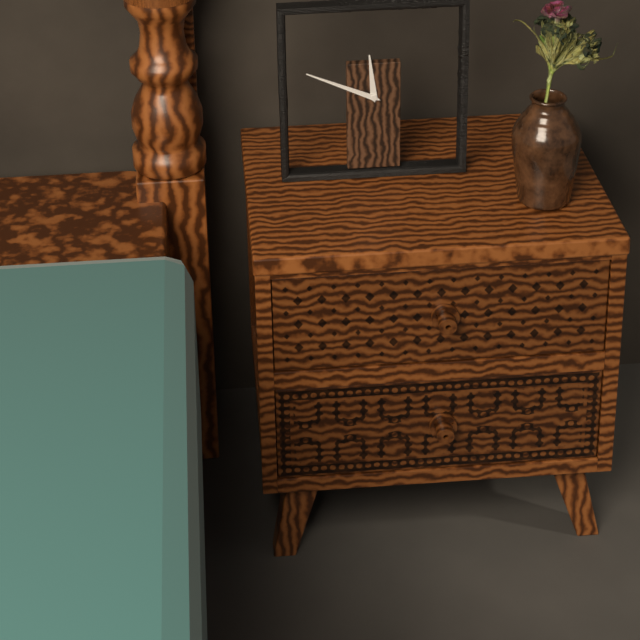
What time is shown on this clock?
11:49
